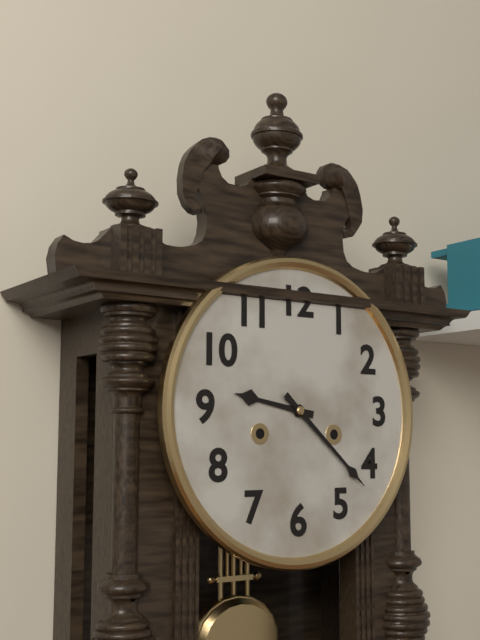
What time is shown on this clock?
9:22
